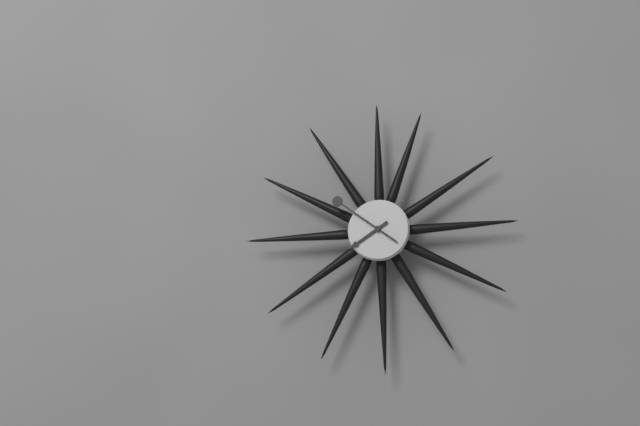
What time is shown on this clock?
7:51
